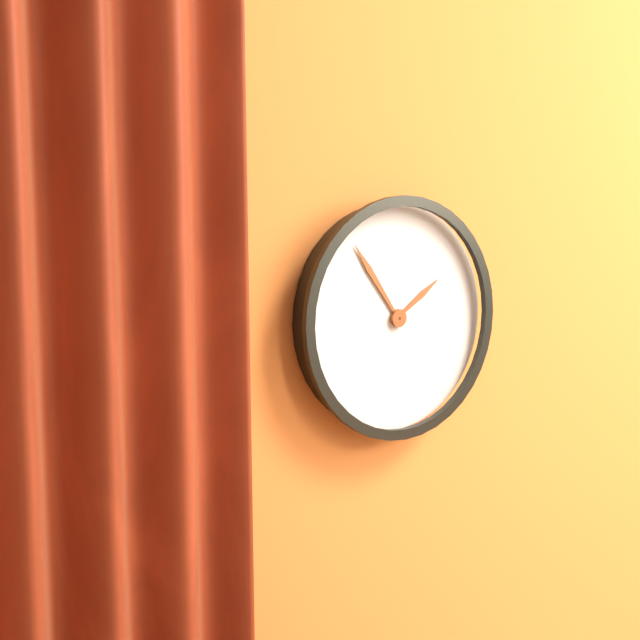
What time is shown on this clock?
1:54
